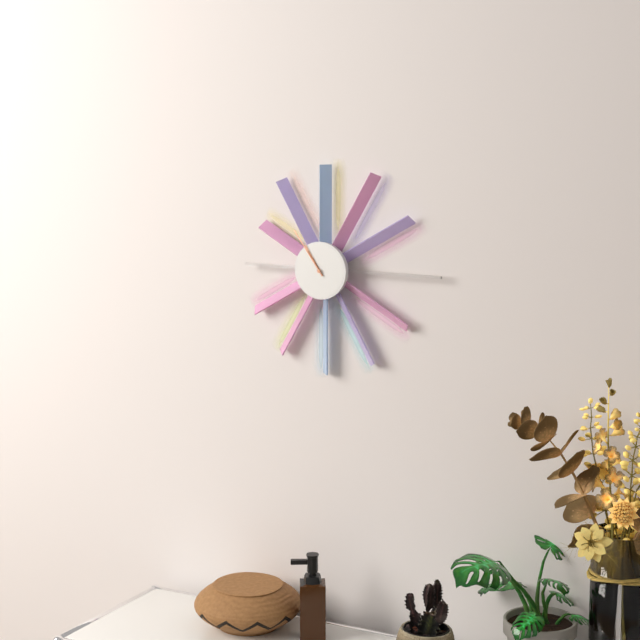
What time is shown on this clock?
10:54
